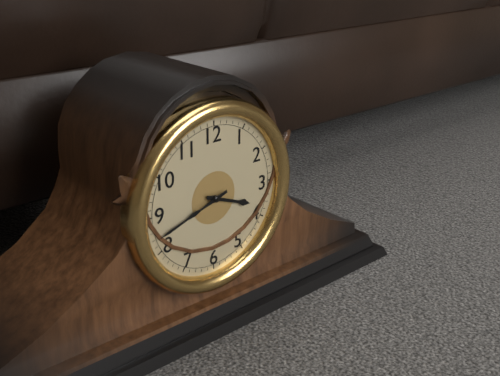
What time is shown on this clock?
3:42
